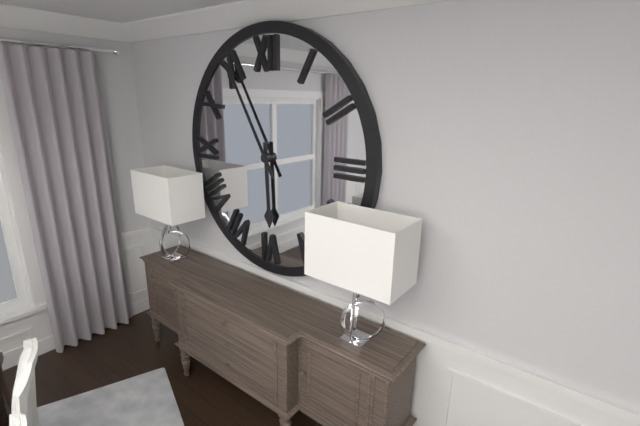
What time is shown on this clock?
5:55
